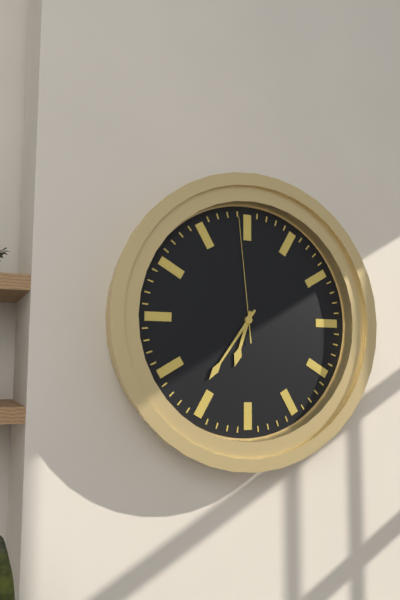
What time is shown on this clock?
6:36:59
